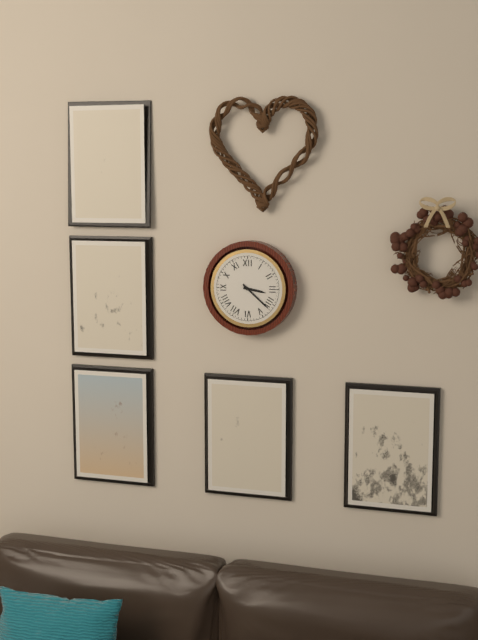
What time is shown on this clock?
3:22
